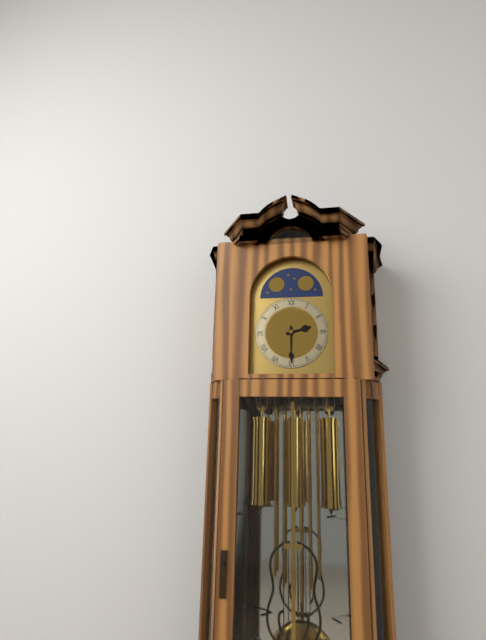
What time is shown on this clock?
2:30
